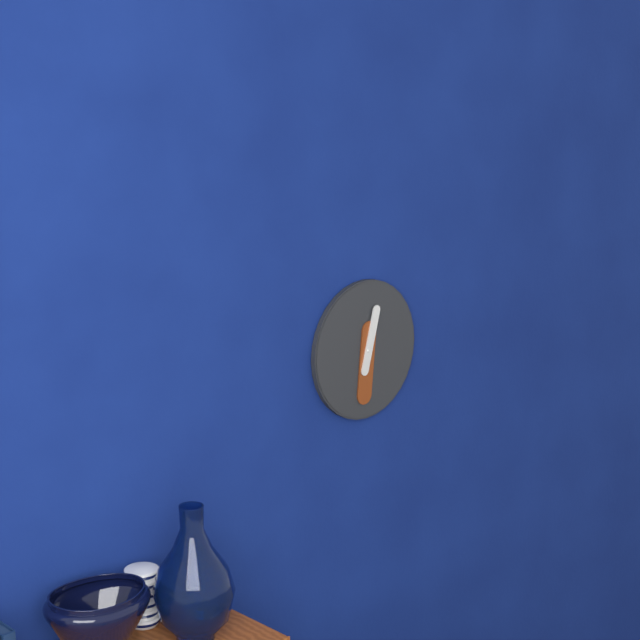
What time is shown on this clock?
12:31
